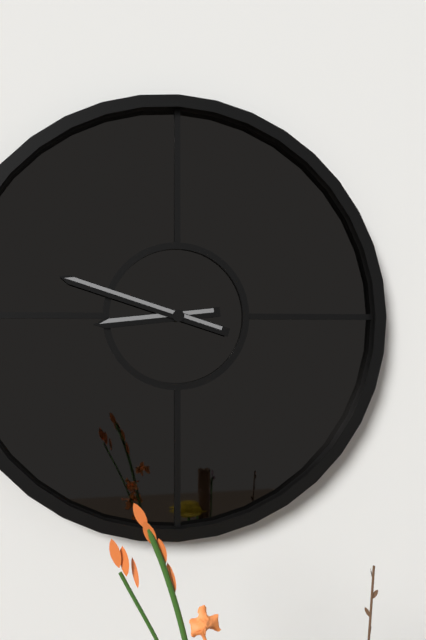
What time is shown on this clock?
8:48
